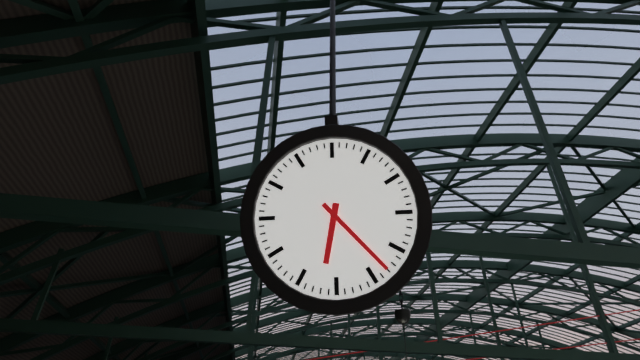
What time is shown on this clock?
6:23
